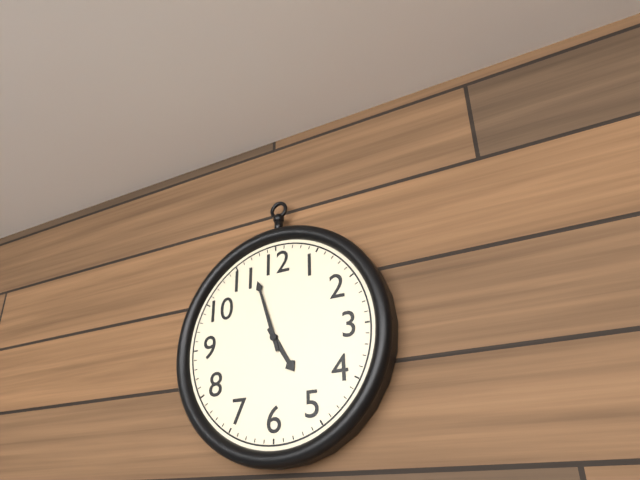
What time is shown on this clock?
4:57
